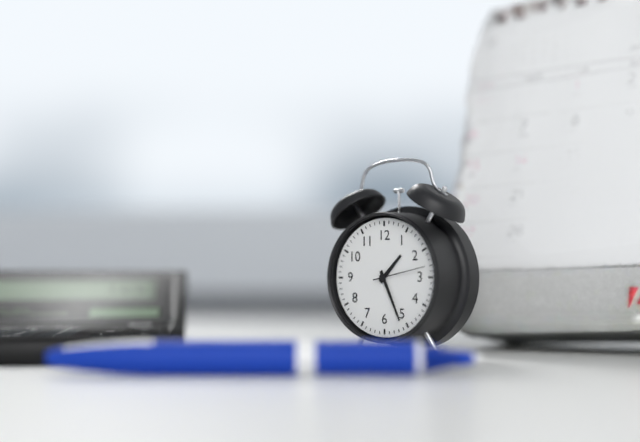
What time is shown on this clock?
1:26:13
